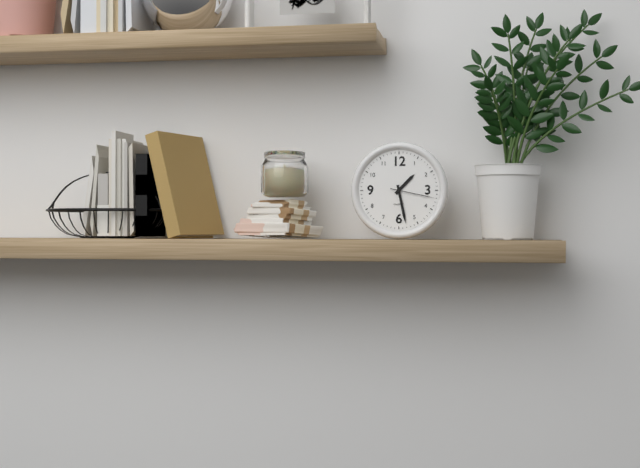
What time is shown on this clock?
1:28
